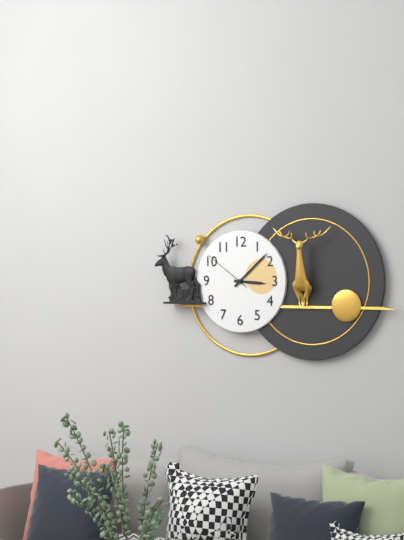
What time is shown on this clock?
3:08:51
